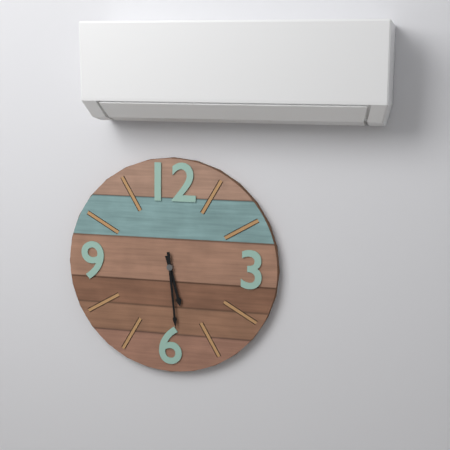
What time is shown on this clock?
5:29
